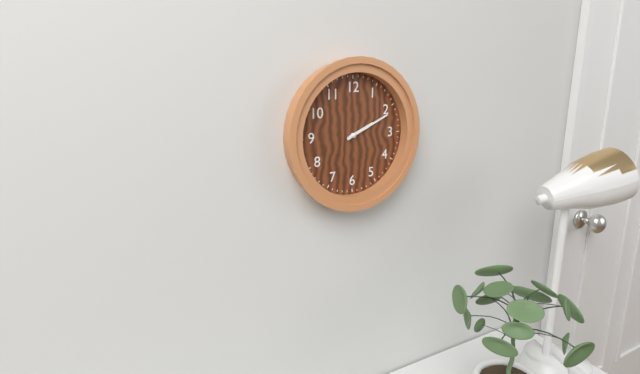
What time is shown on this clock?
2:11
